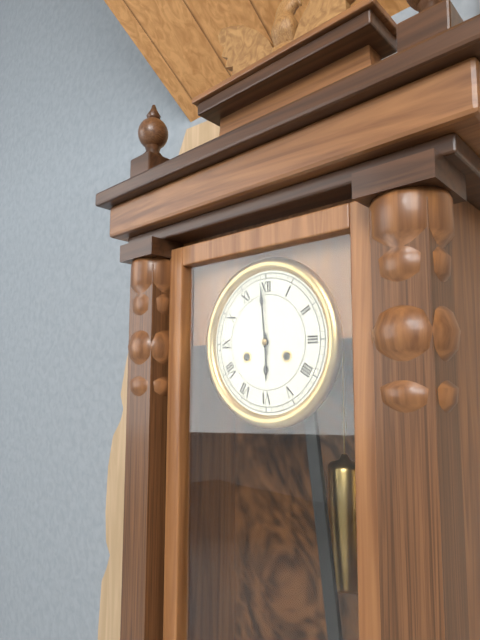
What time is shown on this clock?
5:59
